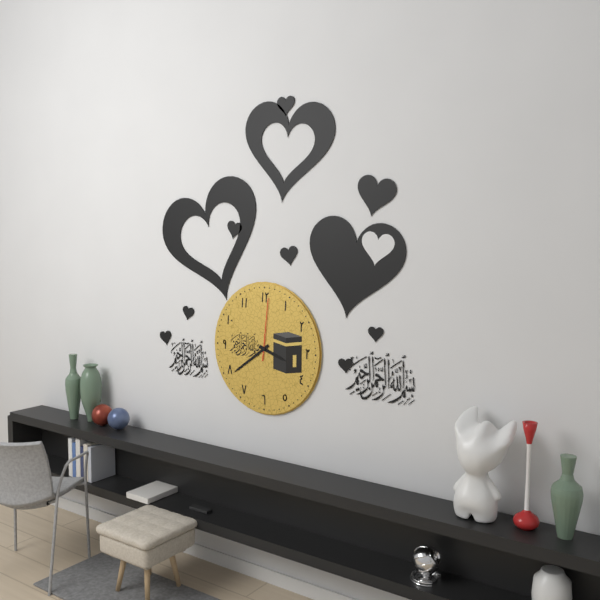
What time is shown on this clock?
3:39:01
